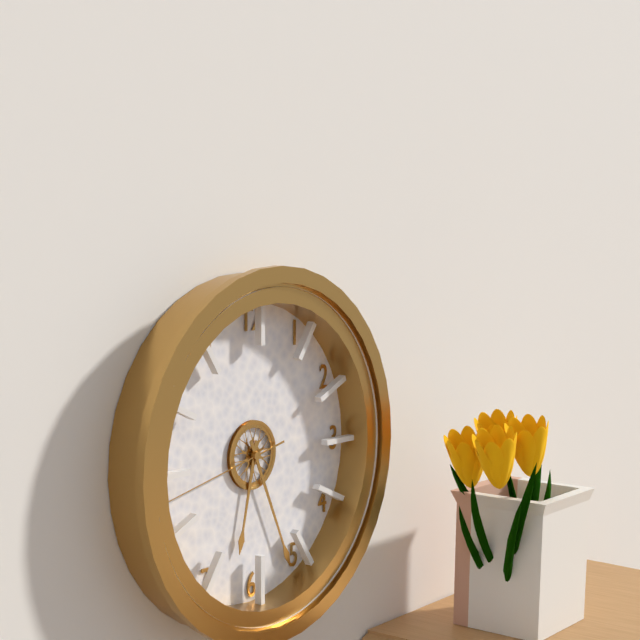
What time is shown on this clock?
6:26:43
